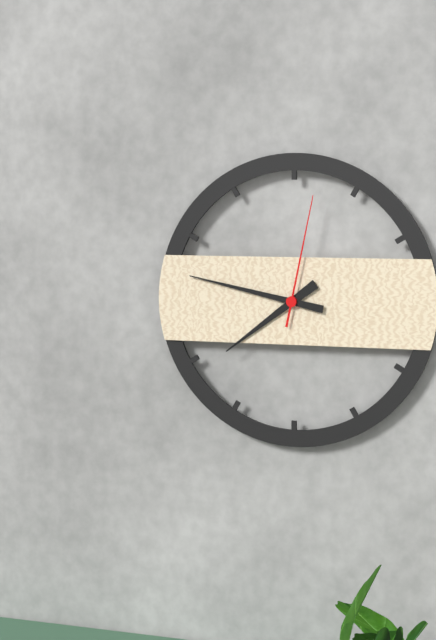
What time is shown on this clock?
7:47:02
